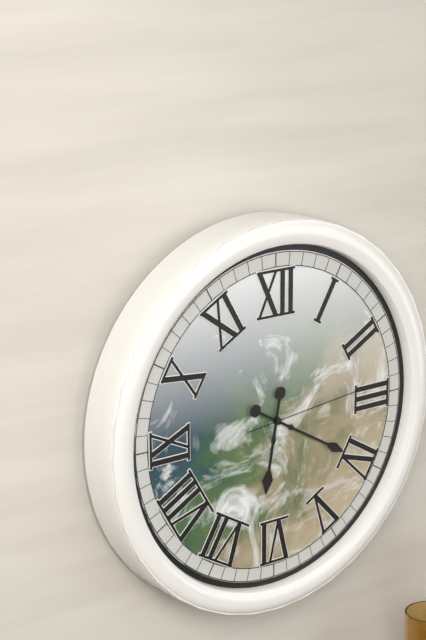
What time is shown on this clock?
6:20:14
